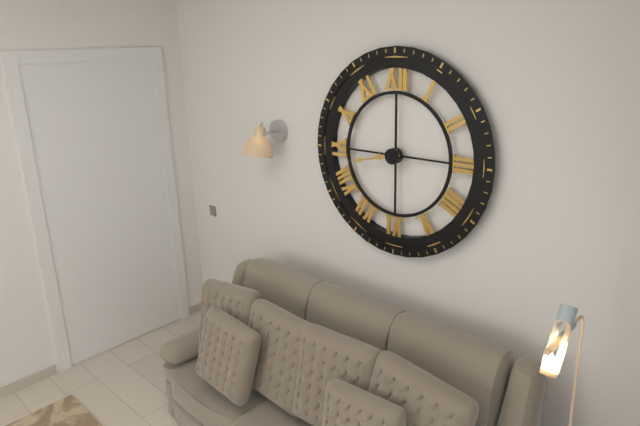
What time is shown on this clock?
8:43
